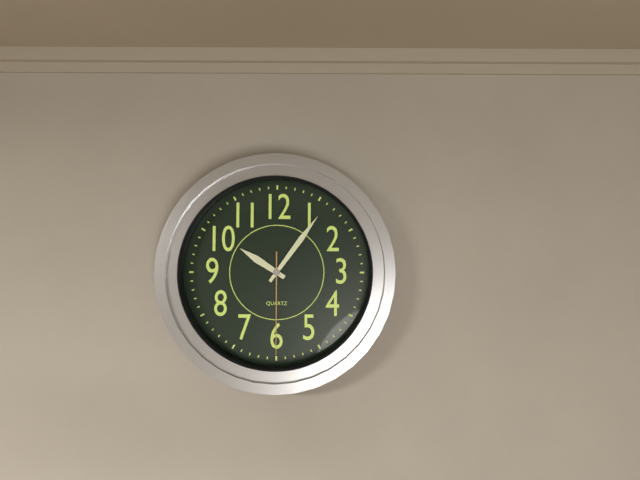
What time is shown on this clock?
10:06:30
